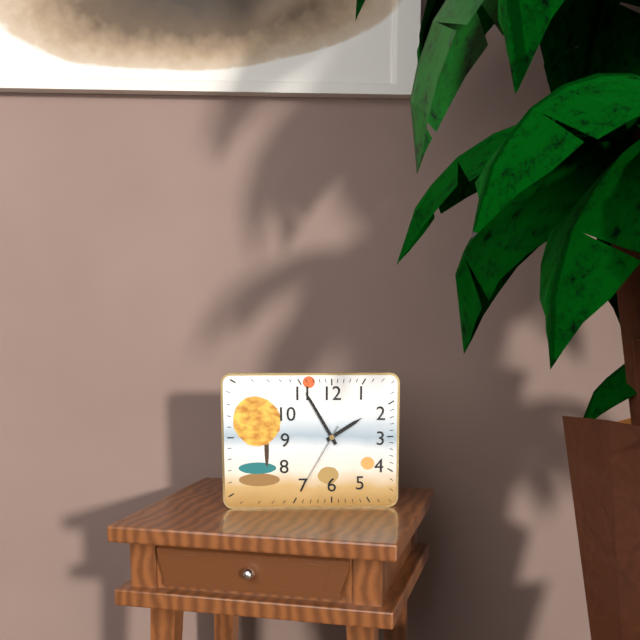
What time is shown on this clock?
1:55:35
